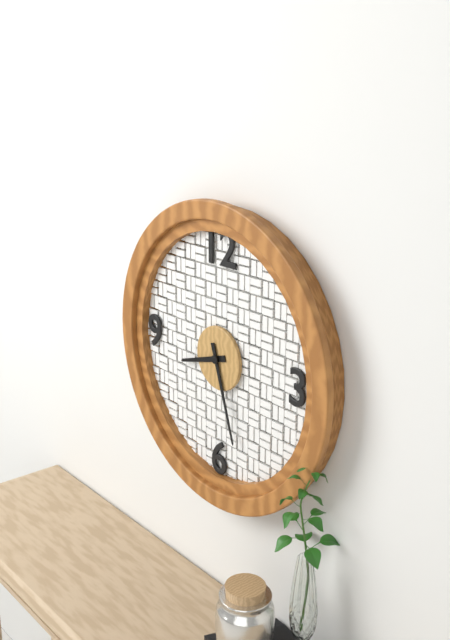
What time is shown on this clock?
8:27
